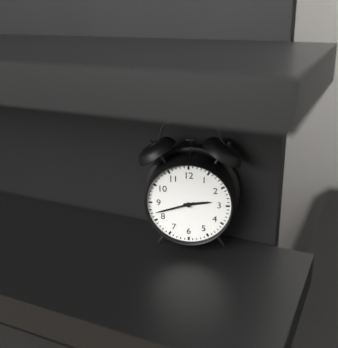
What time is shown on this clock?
2:42
